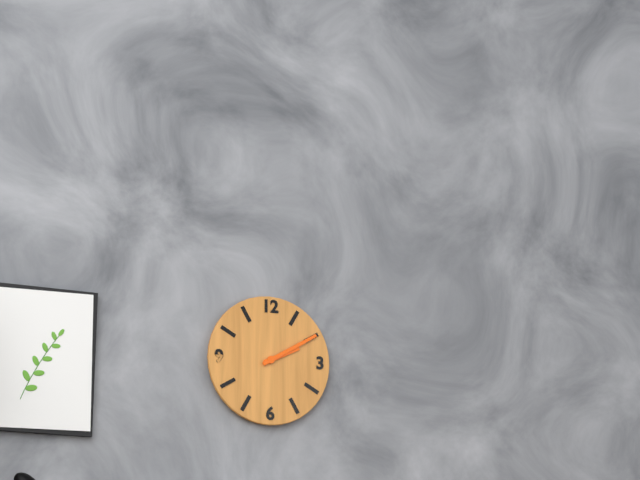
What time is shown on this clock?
2:10
